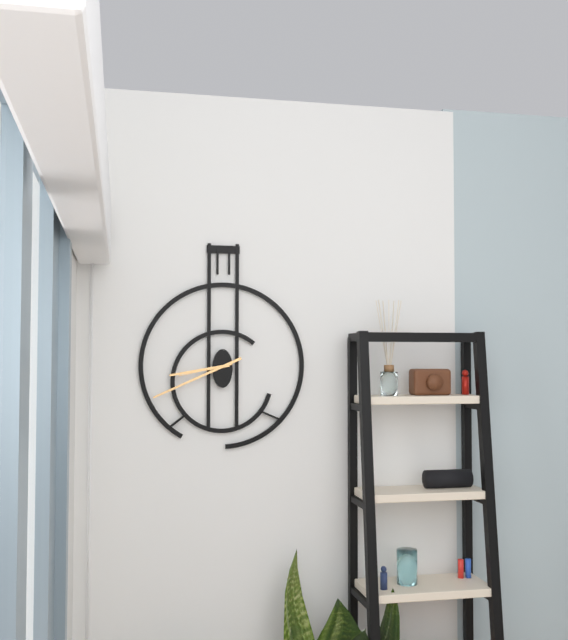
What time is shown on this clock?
8:41:43
